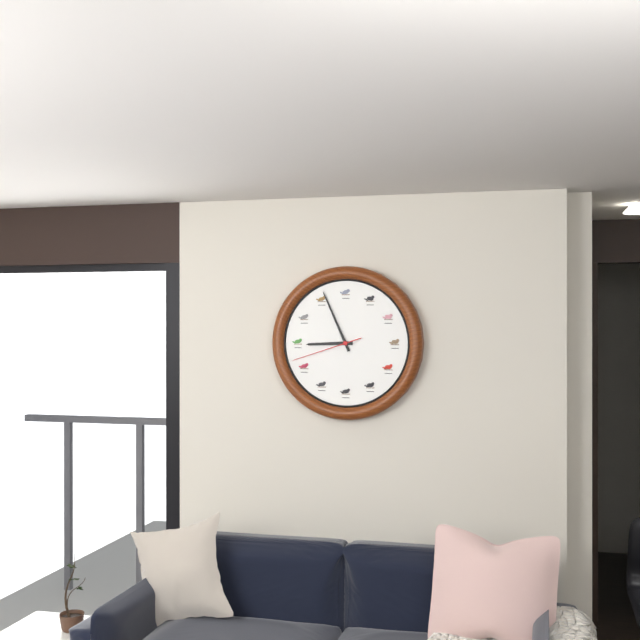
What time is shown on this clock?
8:56:42
